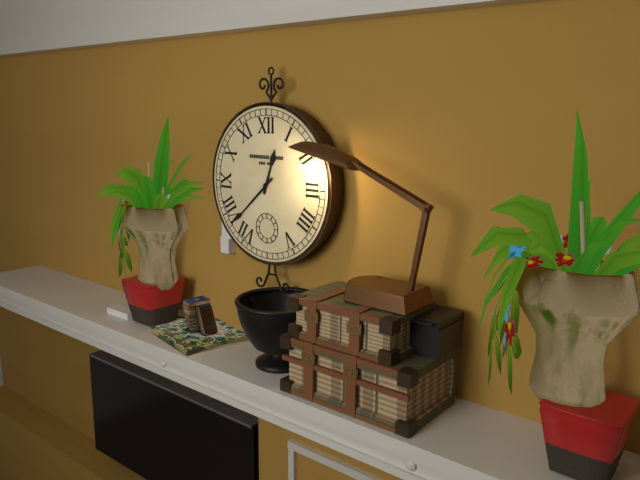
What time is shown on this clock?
12:38
